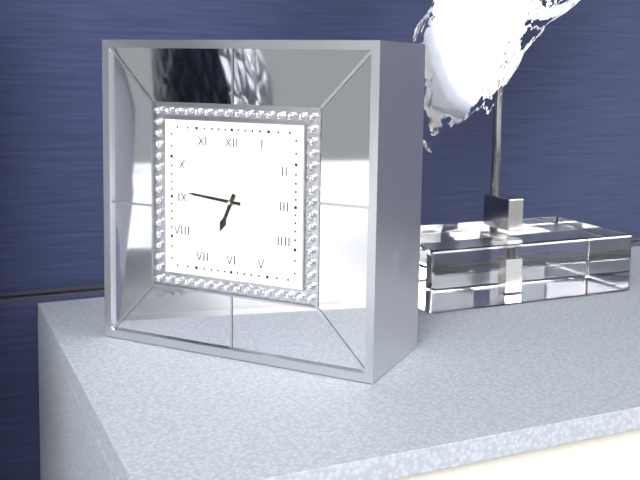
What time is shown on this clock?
6:46
